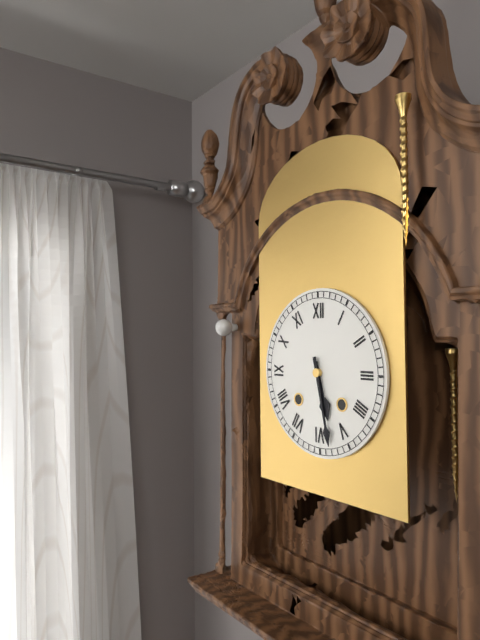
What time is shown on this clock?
5:28
